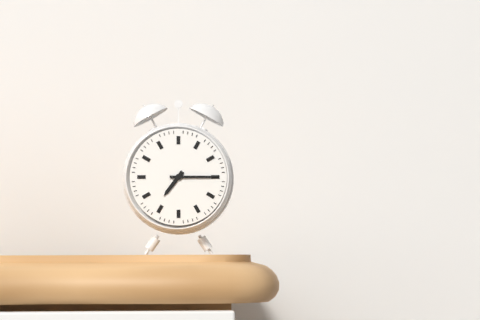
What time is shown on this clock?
7:15
